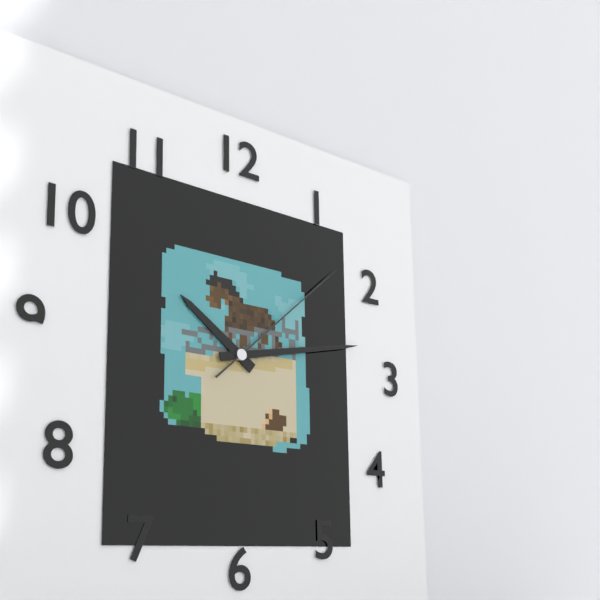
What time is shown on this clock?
10:13:08
